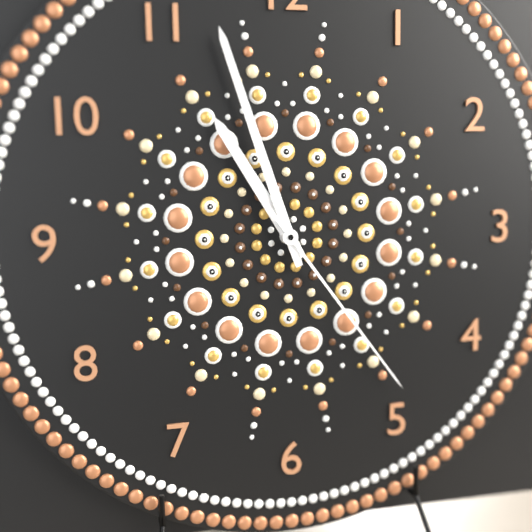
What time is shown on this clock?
10:57:24
